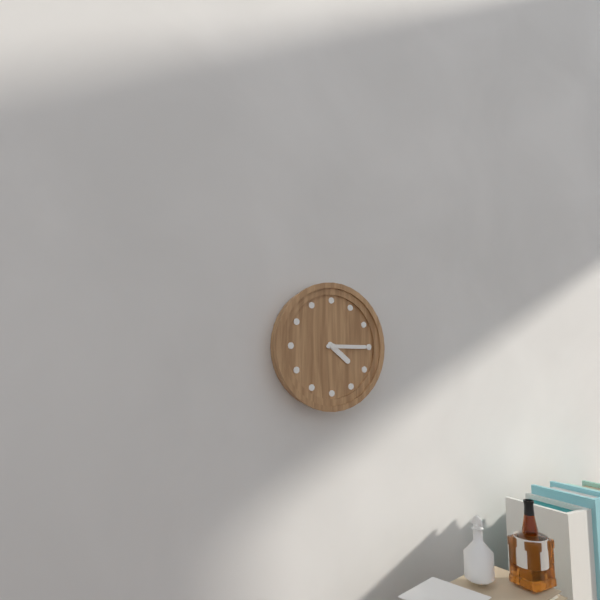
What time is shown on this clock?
4:15
